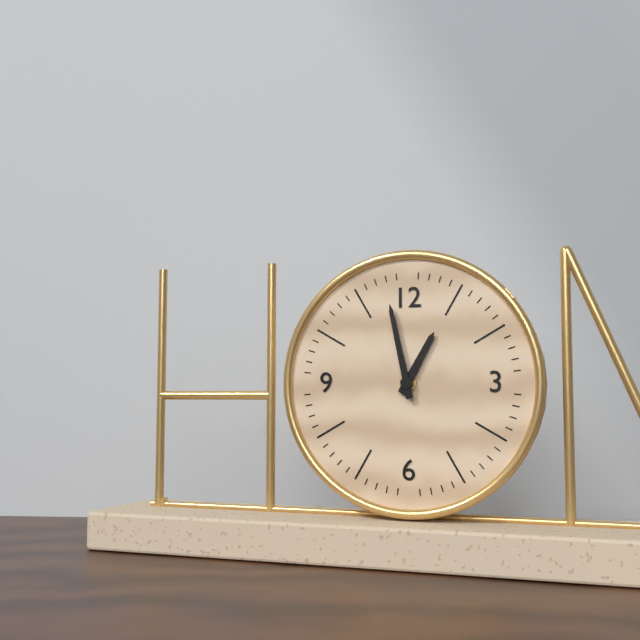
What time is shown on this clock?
12:58
